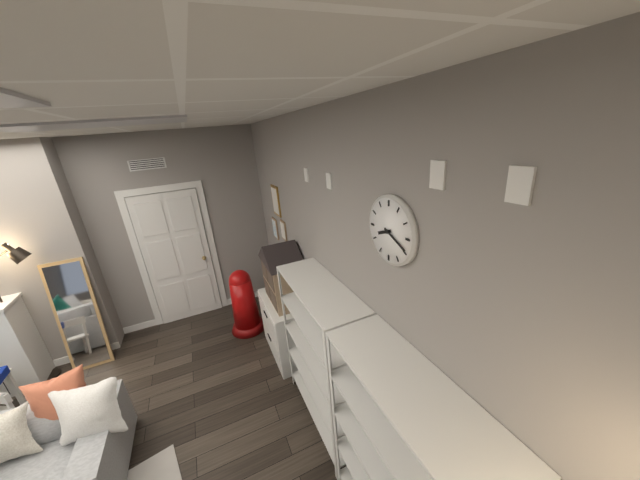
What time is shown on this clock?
8:19
